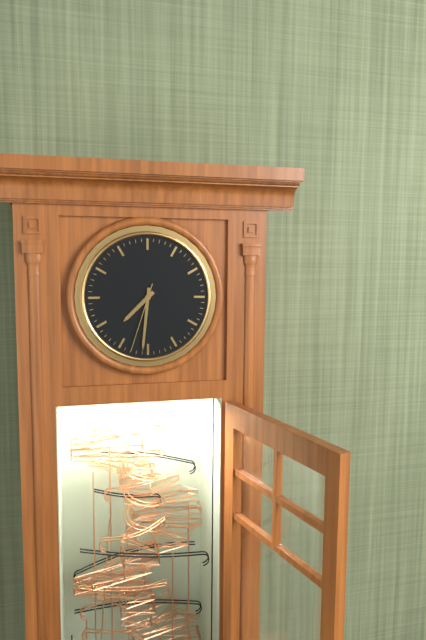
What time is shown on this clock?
7:31:33
